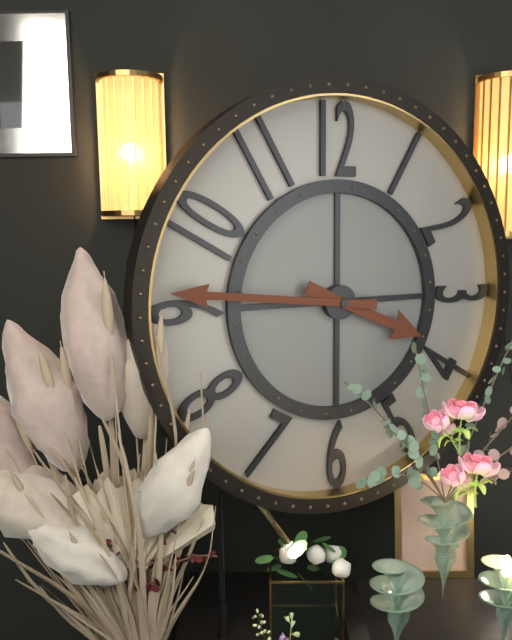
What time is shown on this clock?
3:46
